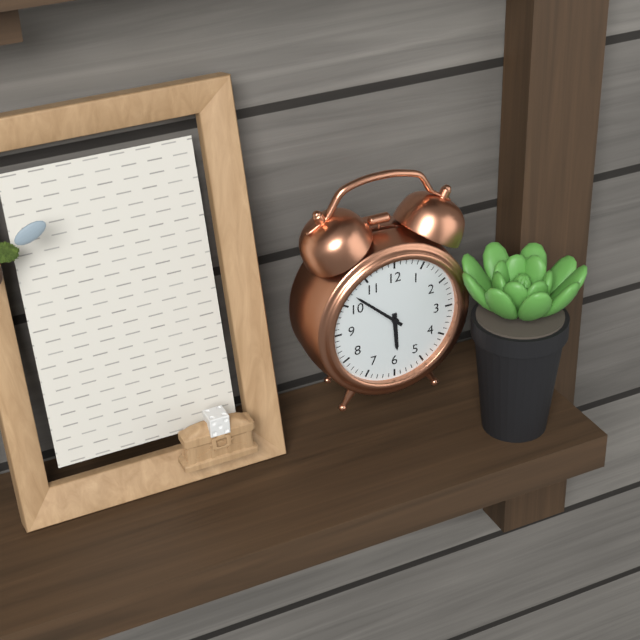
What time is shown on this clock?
5:52
